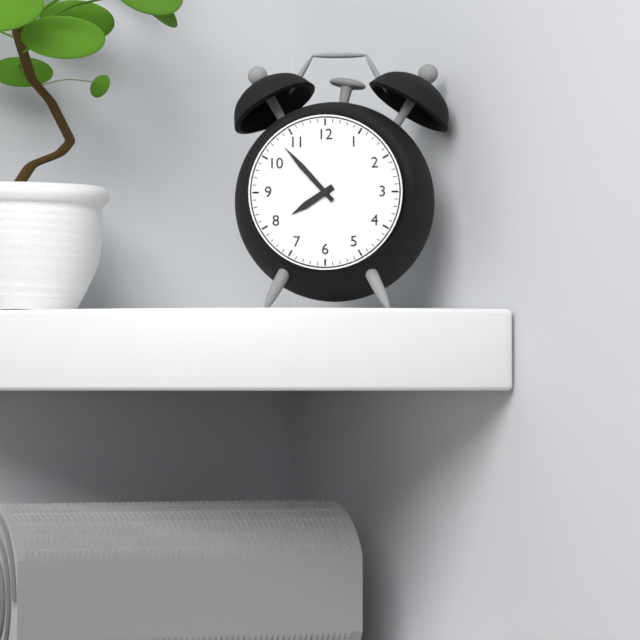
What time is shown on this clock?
7:53
